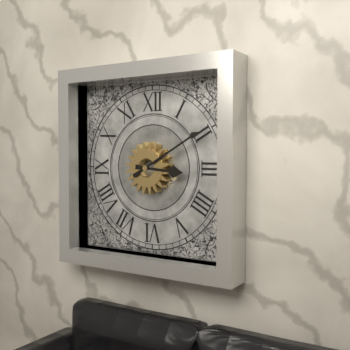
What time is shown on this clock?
3:10
